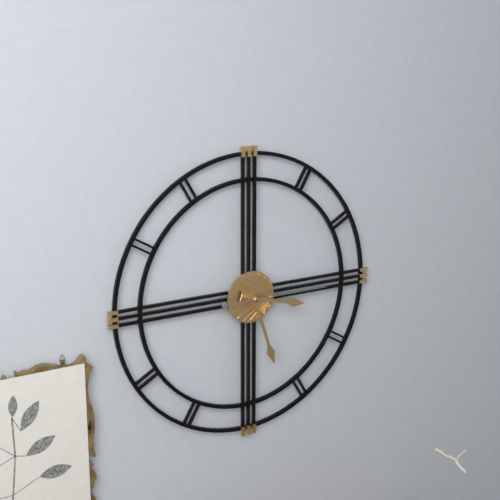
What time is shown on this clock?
3:27:15
